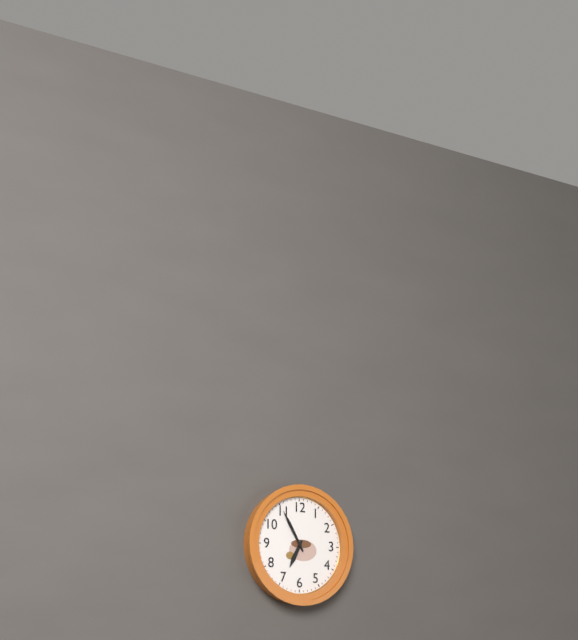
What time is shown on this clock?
6:55
